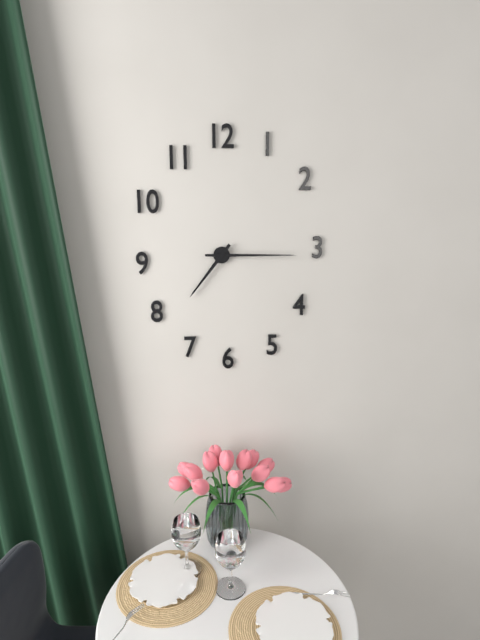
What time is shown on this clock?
7:15
